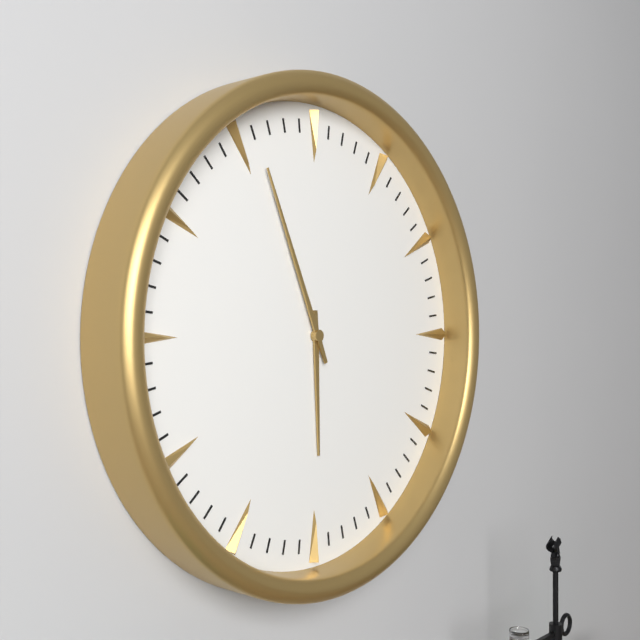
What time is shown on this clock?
5:56
